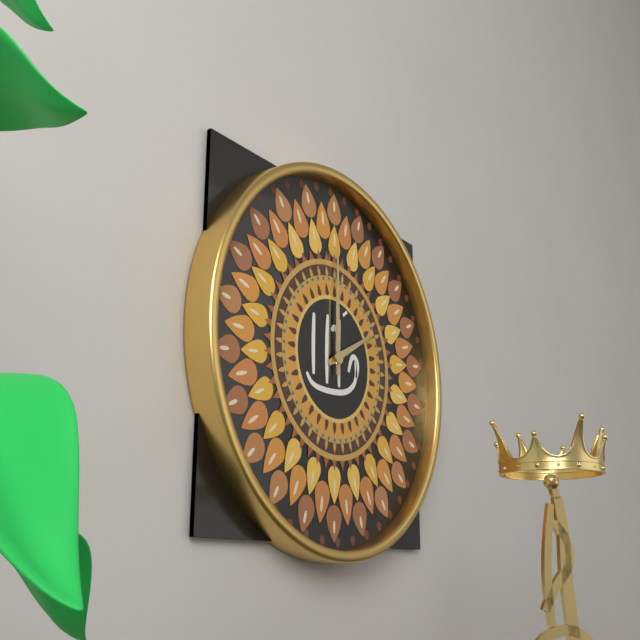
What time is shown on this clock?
2:00
